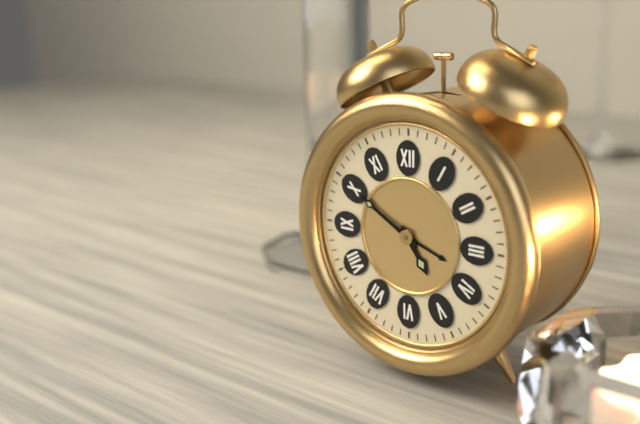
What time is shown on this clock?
4:50
